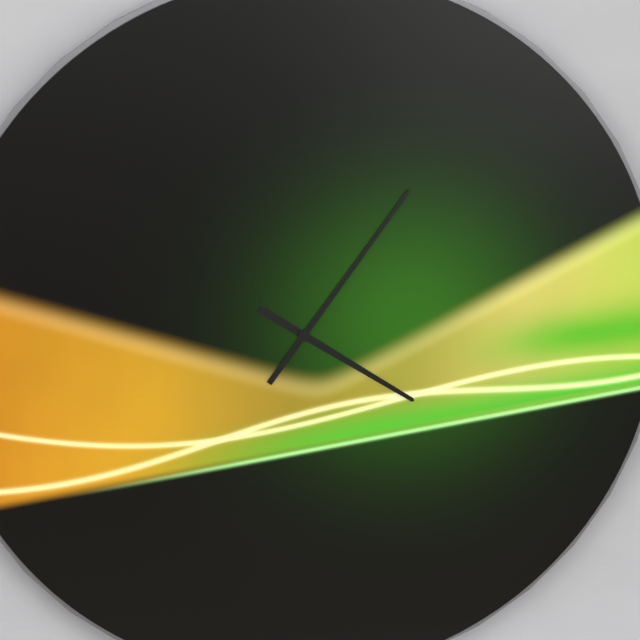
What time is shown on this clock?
4:06
